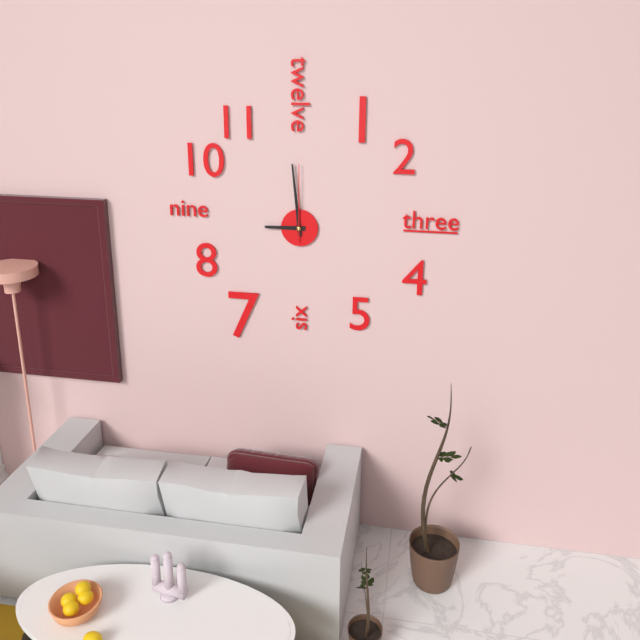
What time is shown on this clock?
8:59:00
